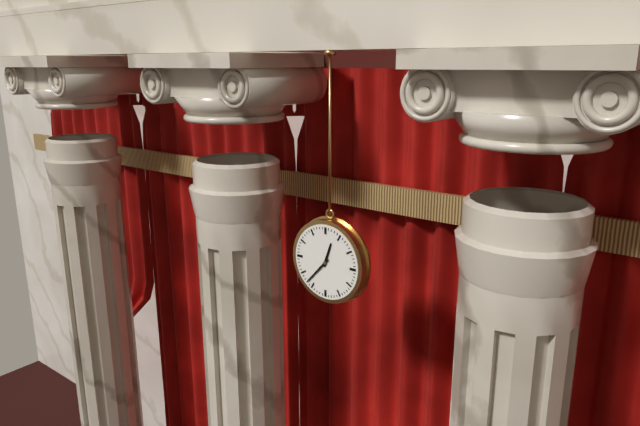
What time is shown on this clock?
12:37
